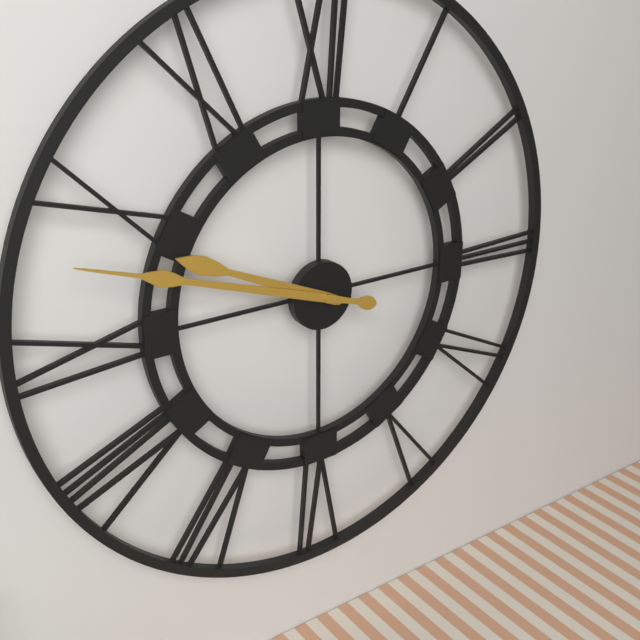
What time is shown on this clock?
9:48
